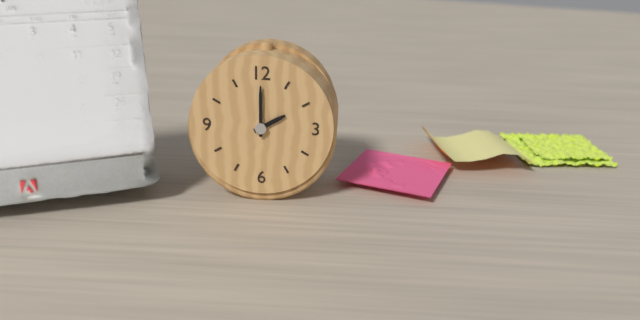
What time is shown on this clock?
2:00
